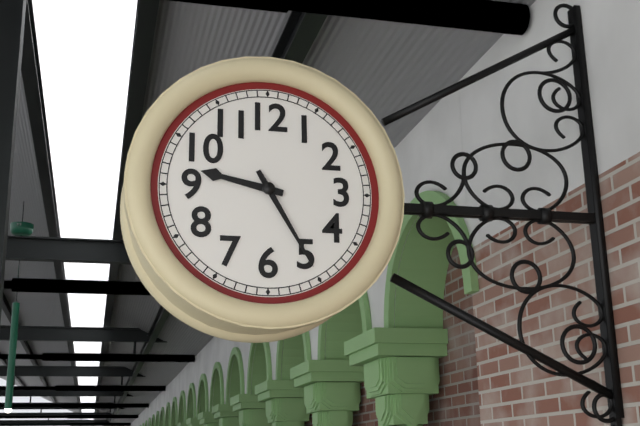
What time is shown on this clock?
9:25
